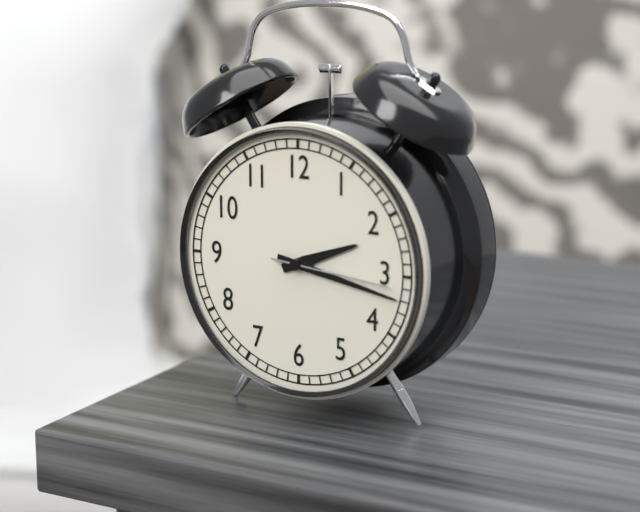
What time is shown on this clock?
2:17:16
